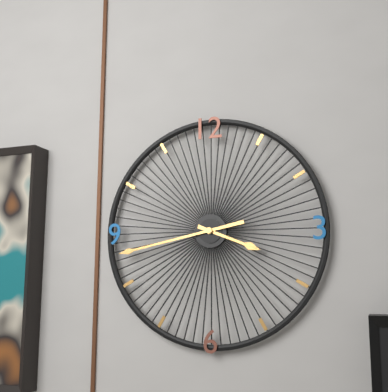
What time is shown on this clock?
3:43
